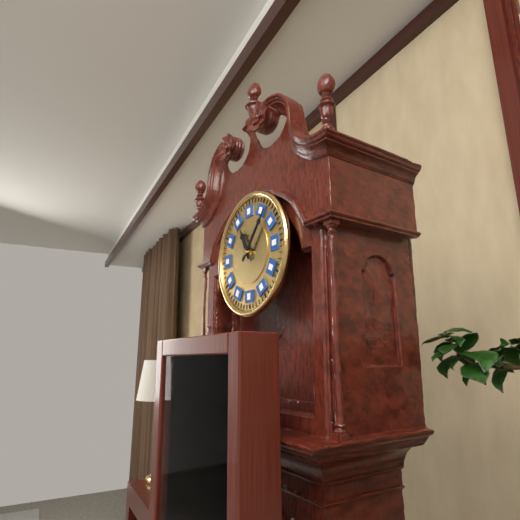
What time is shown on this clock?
11:07
